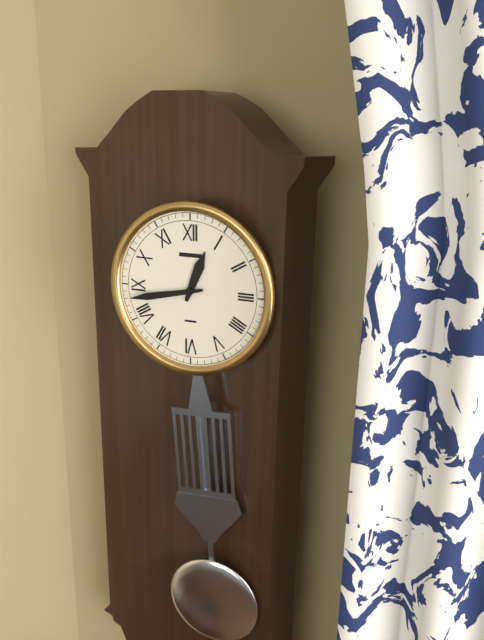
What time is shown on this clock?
12:43
